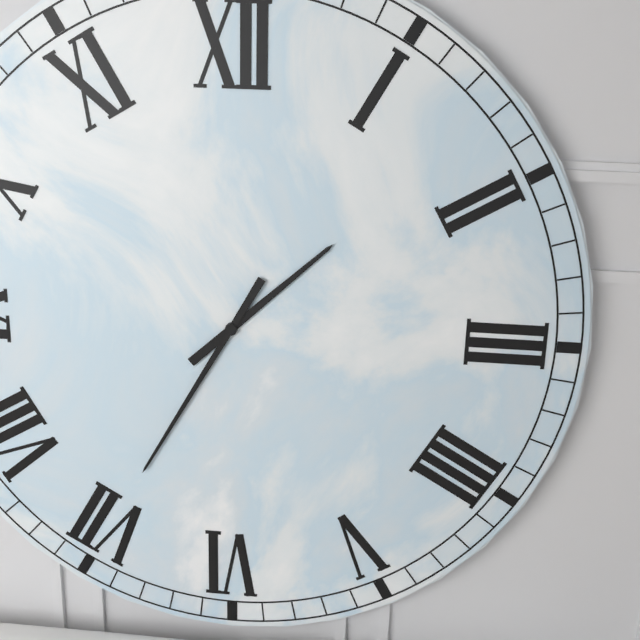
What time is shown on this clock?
1:35
